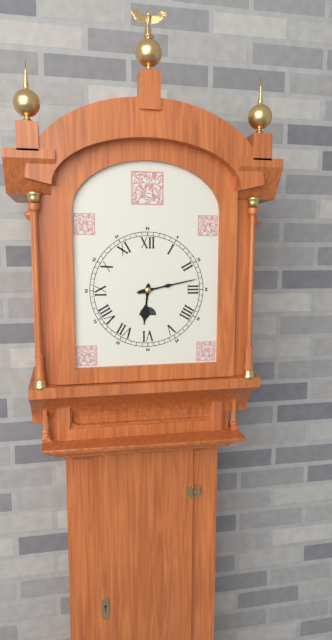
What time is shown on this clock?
6:13
